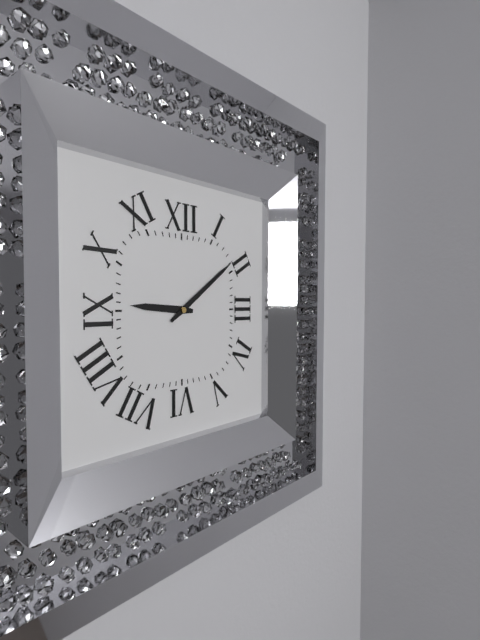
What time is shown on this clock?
9:09
